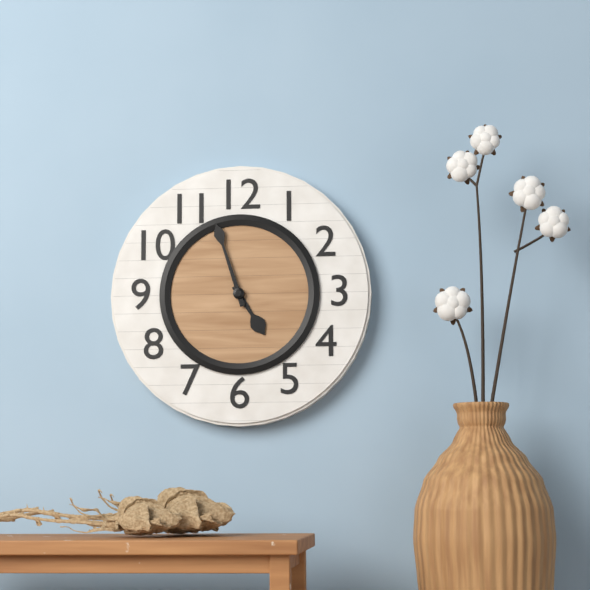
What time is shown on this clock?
4:57
